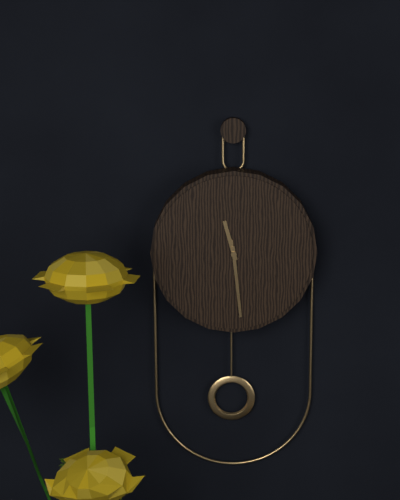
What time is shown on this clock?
11:29:29
